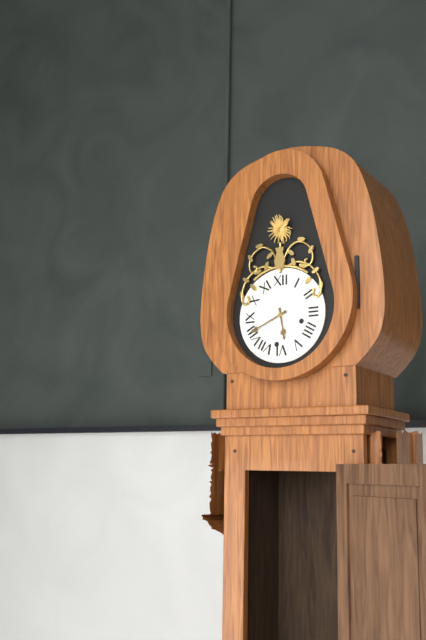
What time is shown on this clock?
5:41
